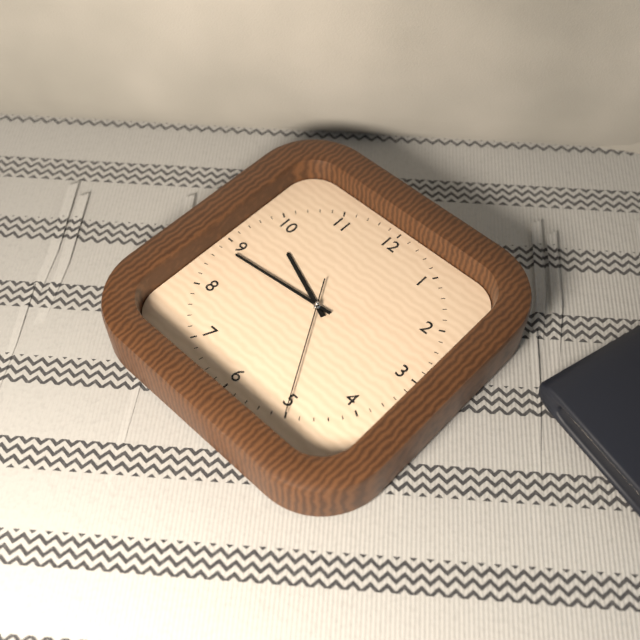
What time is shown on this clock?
9:44:25
